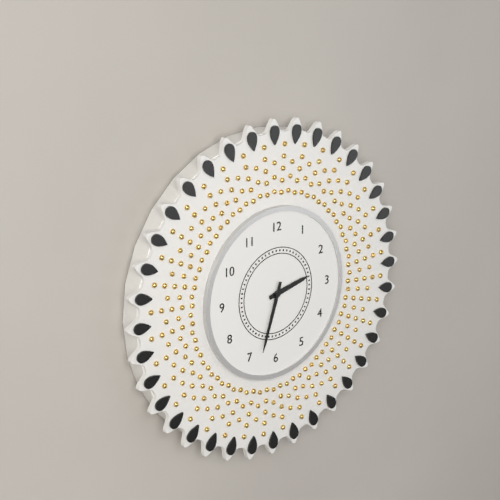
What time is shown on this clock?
2:33
